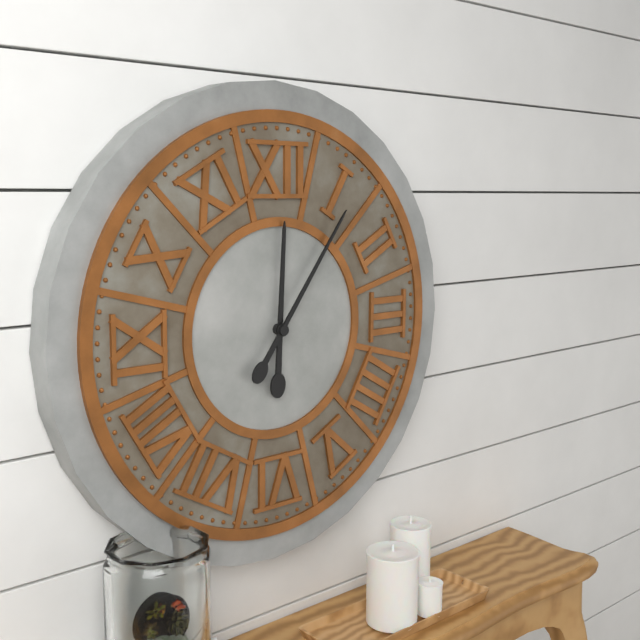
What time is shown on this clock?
12:06
